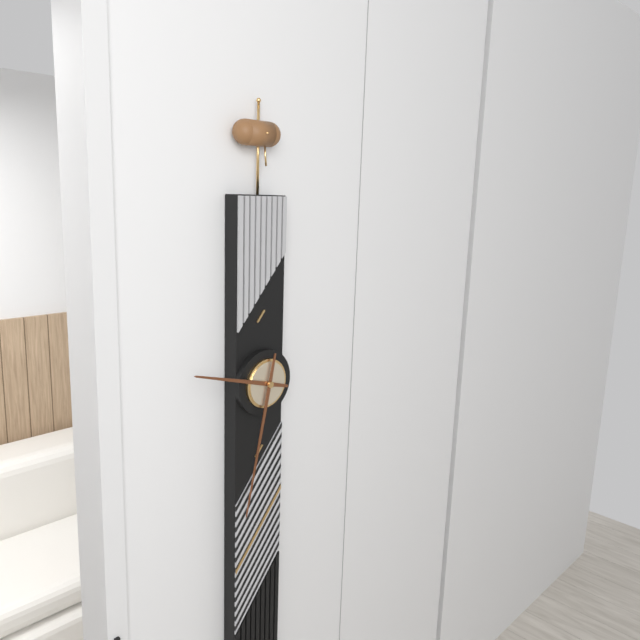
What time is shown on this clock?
9:32
